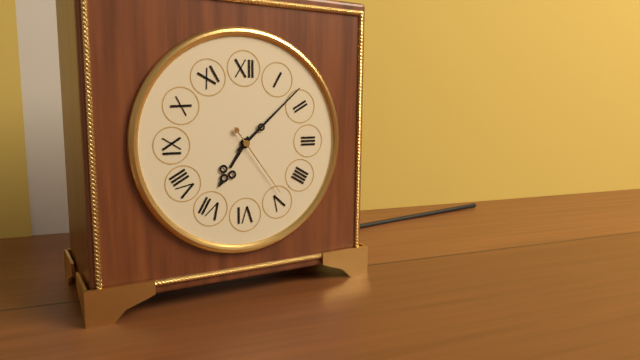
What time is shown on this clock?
7:08:24
